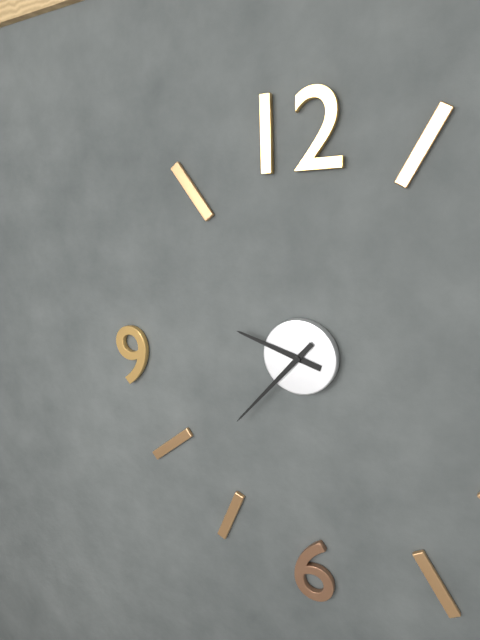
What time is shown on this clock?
9:37
